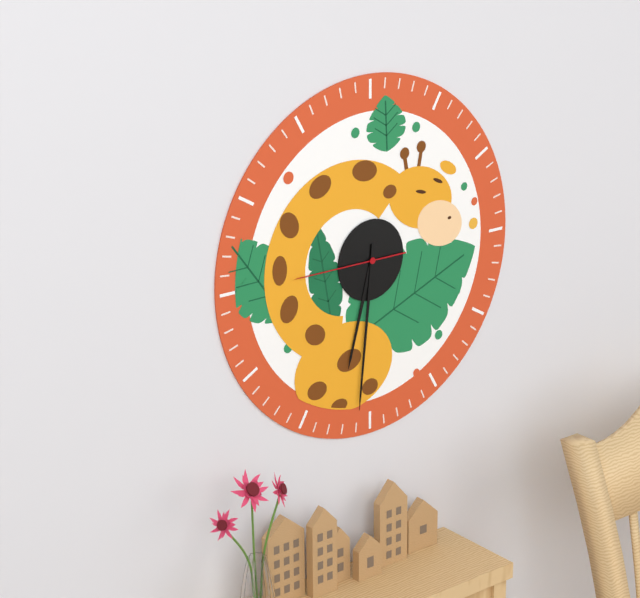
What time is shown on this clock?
6:31:45
